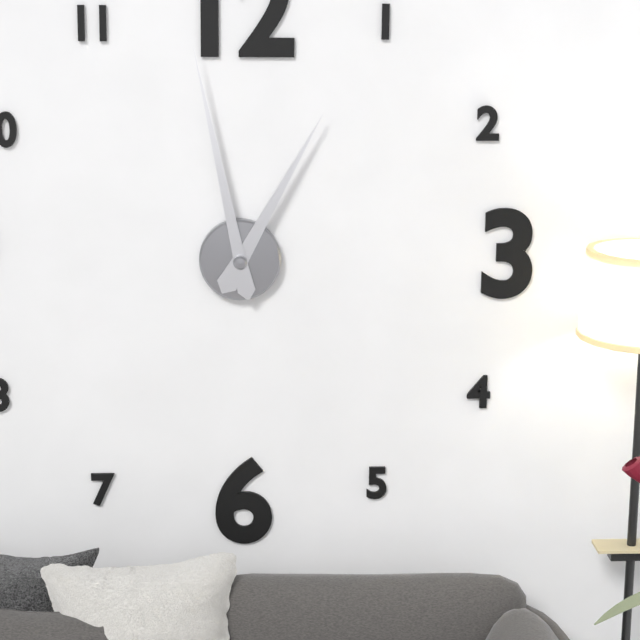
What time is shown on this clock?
12:58
